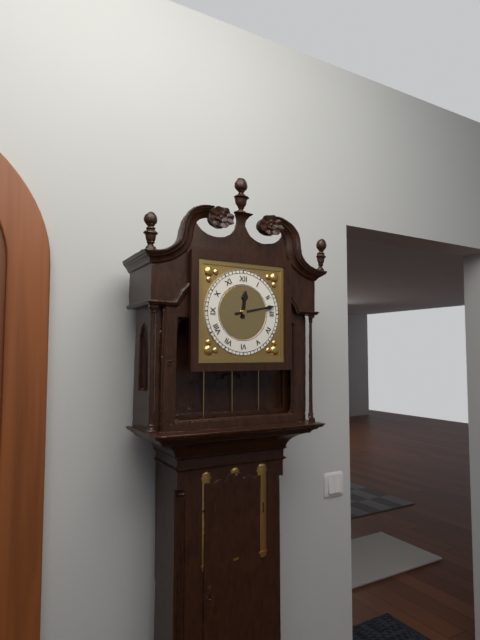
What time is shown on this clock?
12:13
